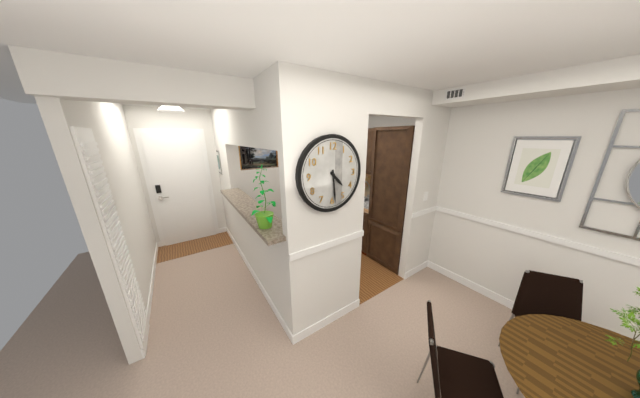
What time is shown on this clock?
4:29
